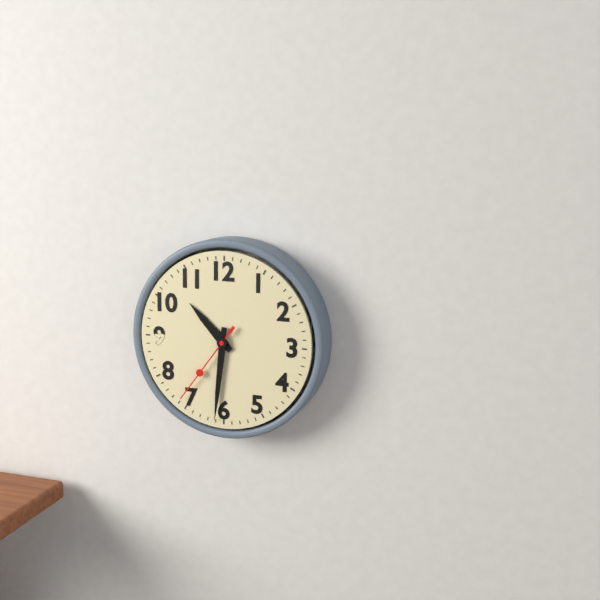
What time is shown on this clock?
10:31:36
